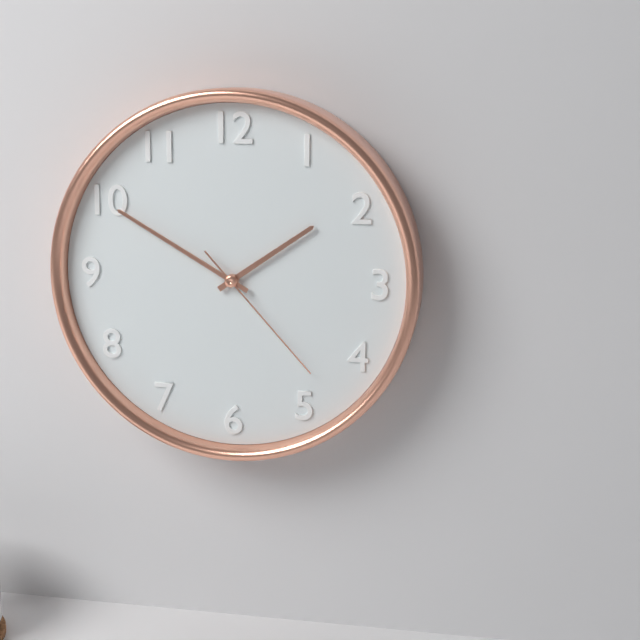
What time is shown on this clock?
1:50:23
